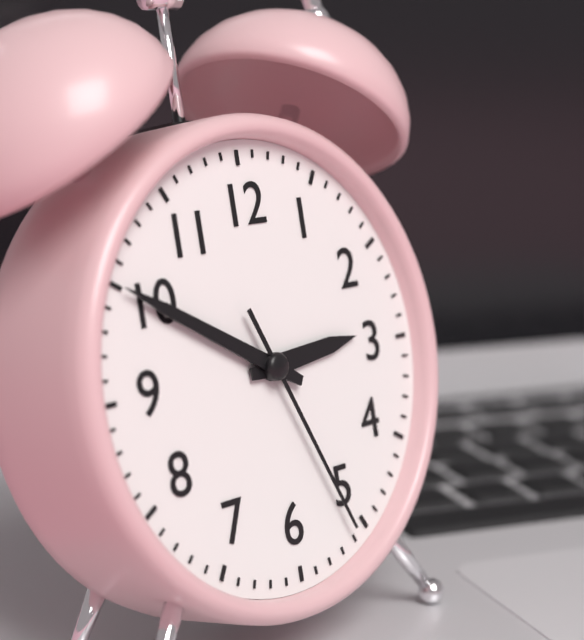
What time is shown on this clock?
2:50:26
